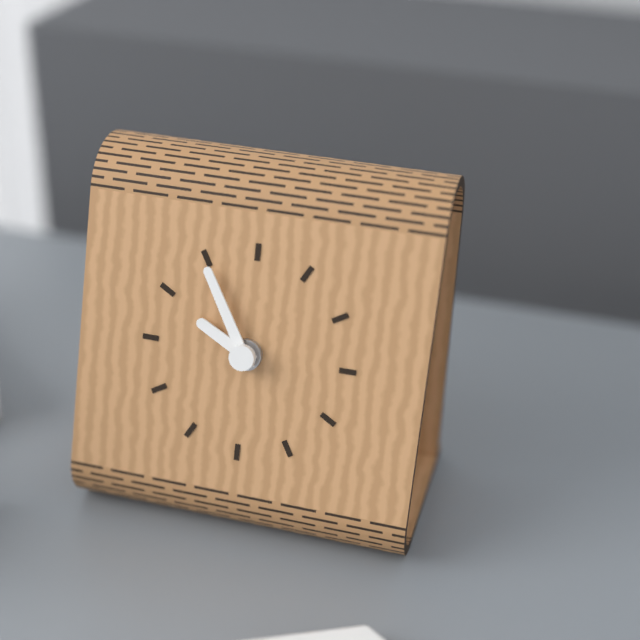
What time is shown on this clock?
9:55
